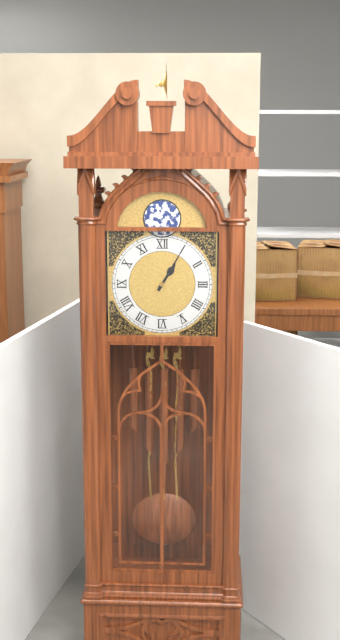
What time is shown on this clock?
1:05
